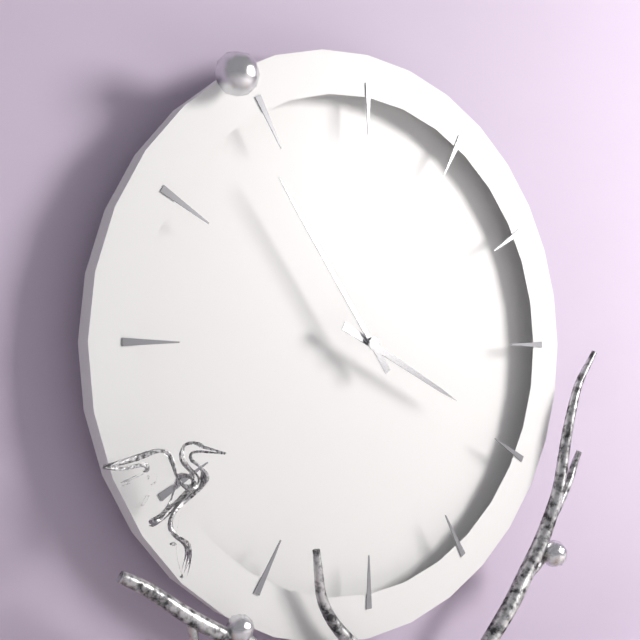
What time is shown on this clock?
3:54
